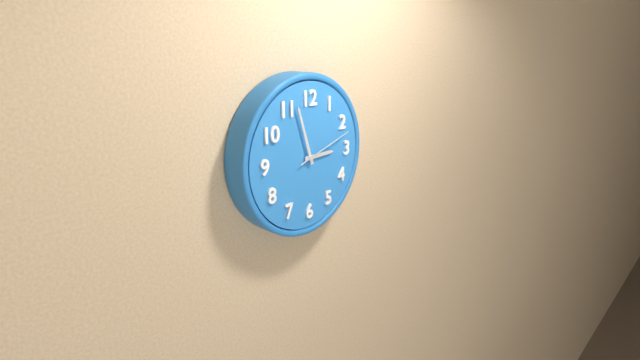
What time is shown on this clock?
2:57:12
